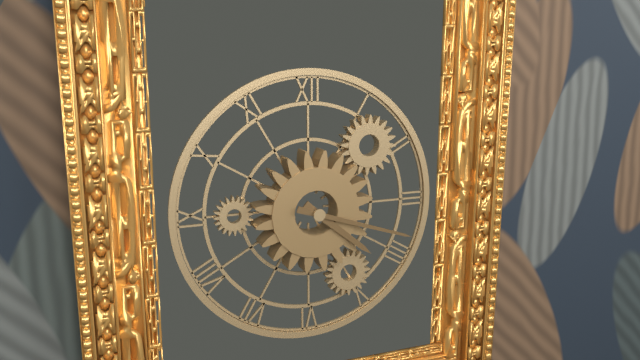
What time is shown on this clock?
4:18
